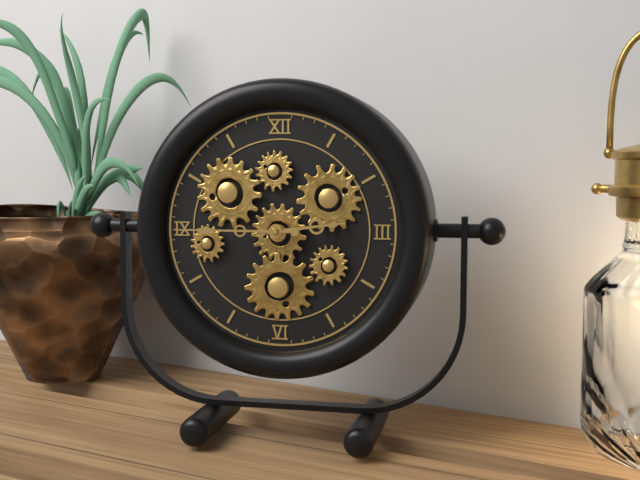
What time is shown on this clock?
2:45
